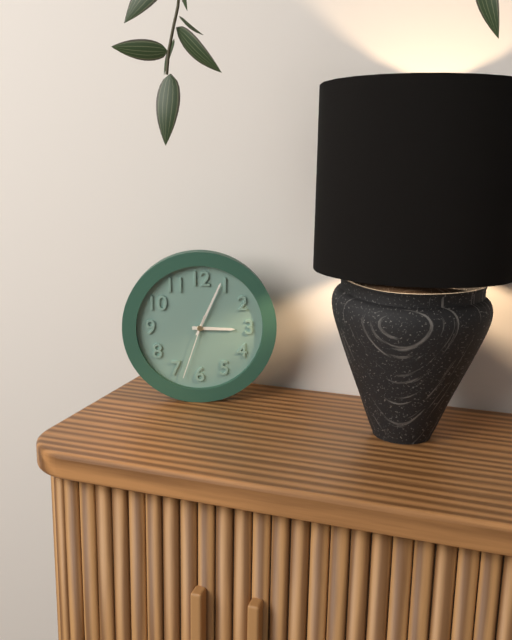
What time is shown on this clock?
3:04:33
